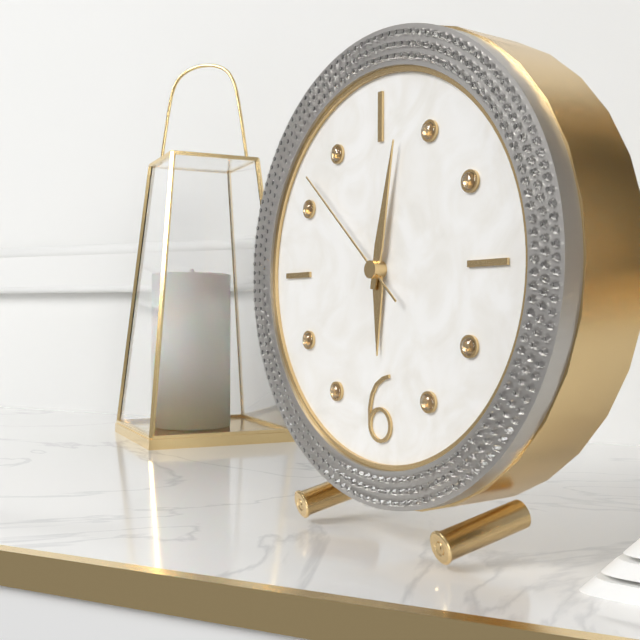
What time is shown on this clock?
6:02:52
